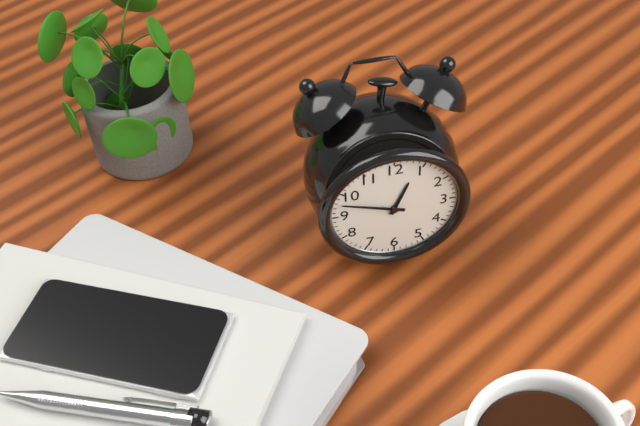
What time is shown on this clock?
12:48
